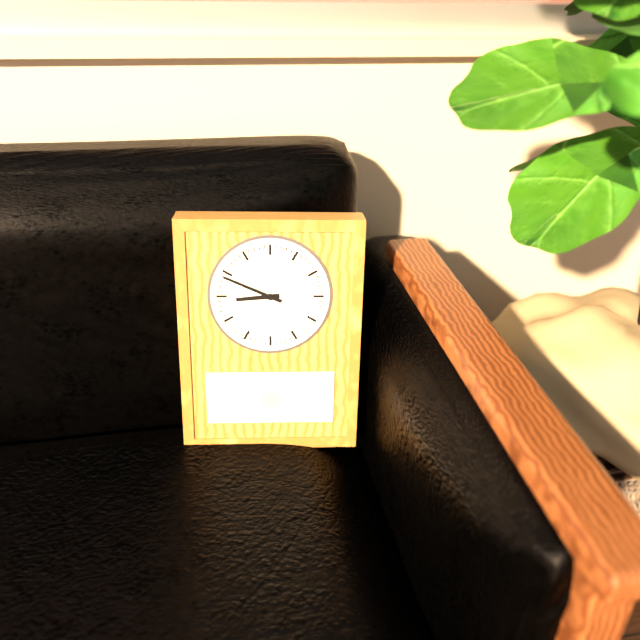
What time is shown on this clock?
8:49
